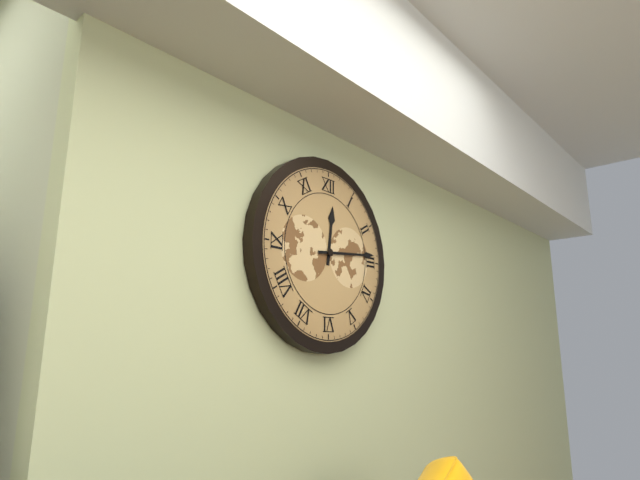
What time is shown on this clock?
12:14
